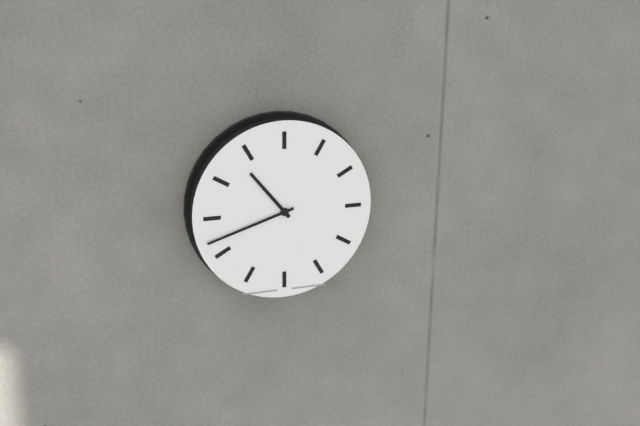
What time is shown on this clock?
10:42
